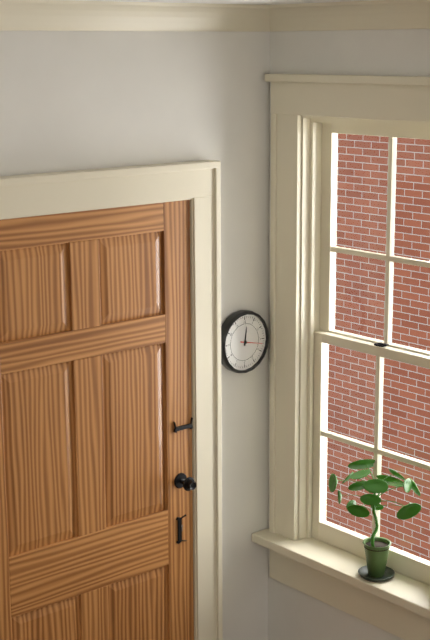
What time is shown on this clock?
12:17
